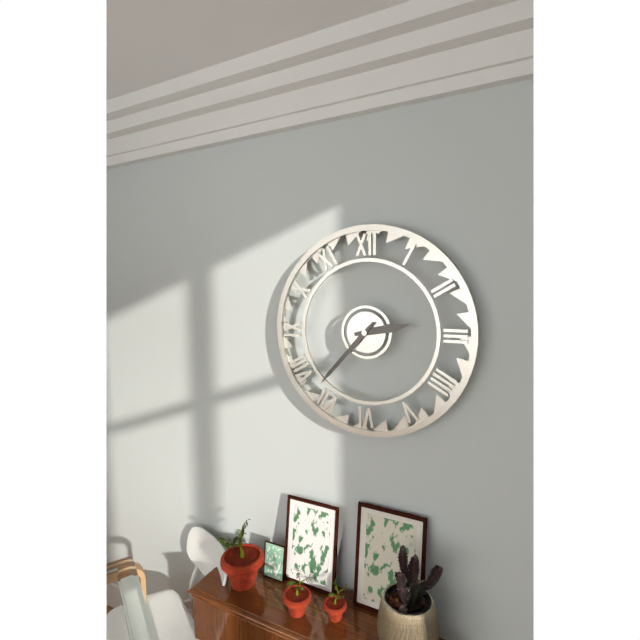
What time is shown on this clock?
2:37
